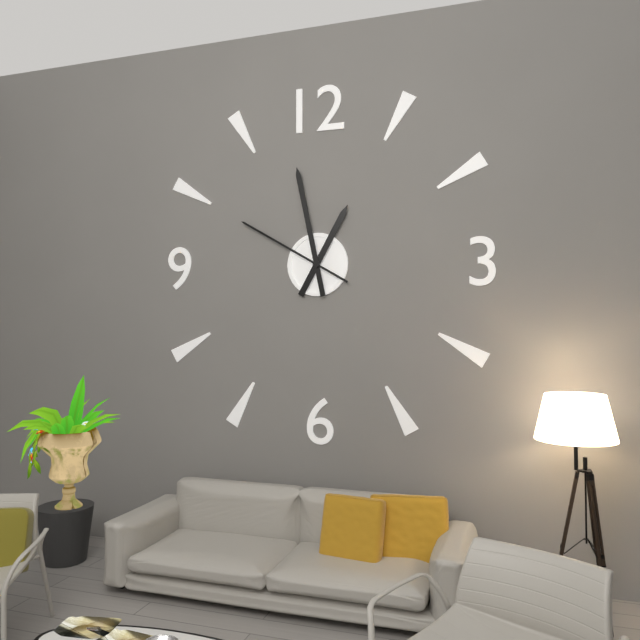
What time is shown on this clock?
12:58:50
